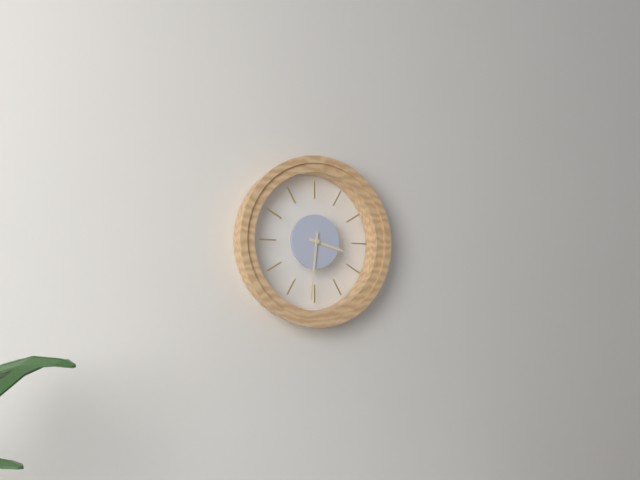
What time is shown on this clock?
3:31
